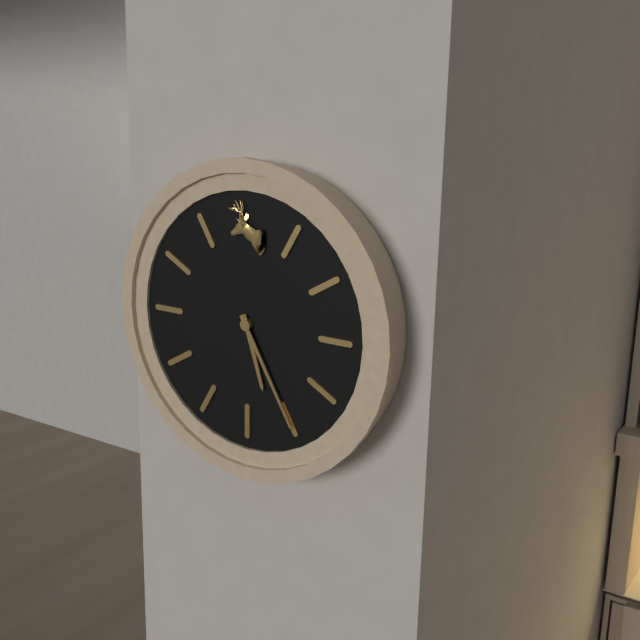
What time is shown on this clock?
5:25
